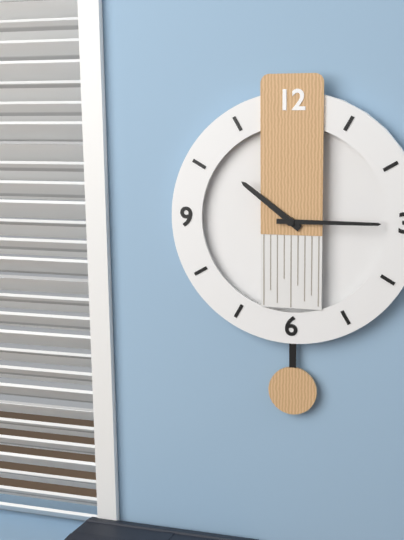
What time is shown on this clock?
10:15
